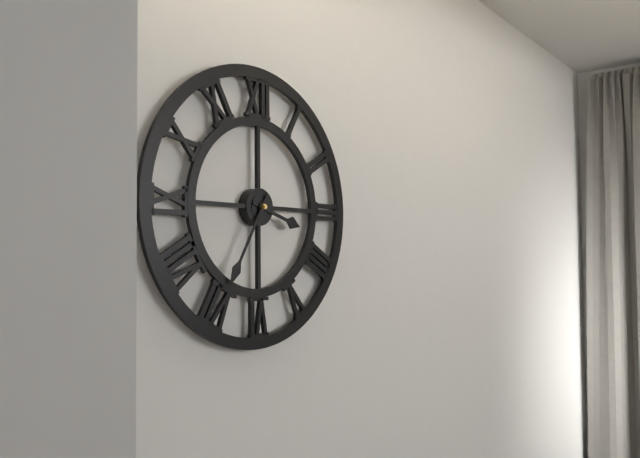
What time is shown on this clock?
3:35
